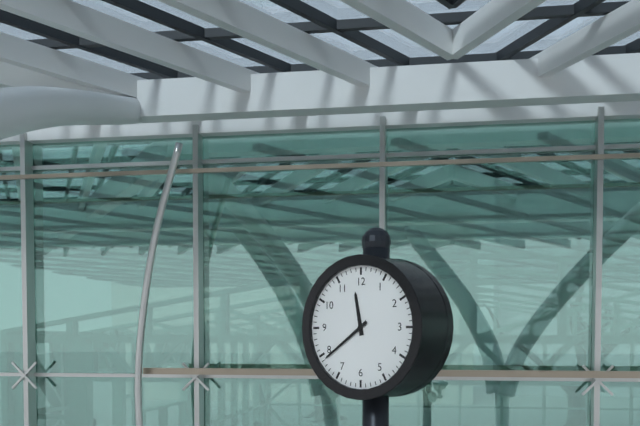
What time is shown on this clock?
11:39
